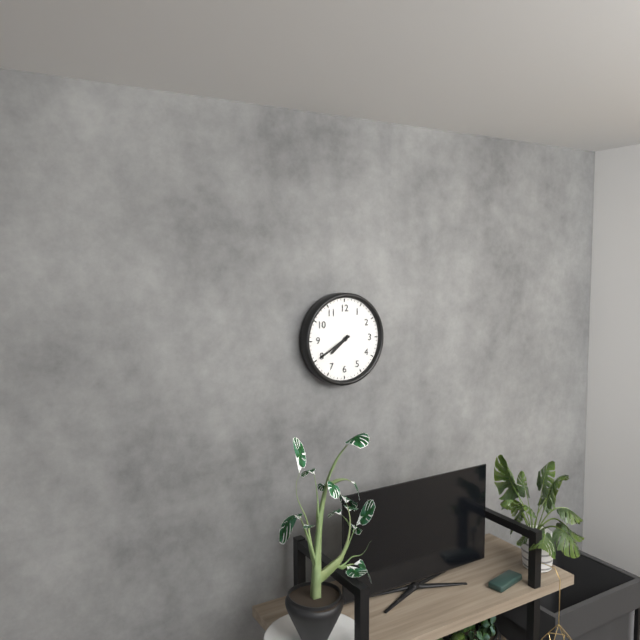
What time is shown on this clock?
7:40
